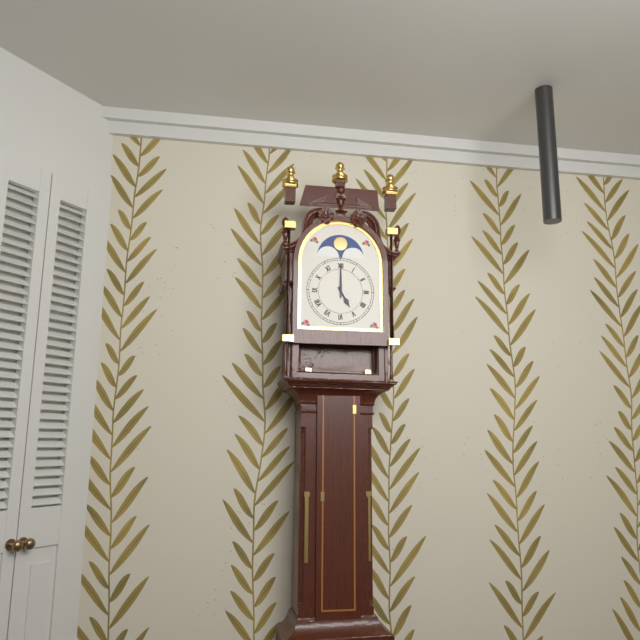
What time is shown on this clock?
5:00
